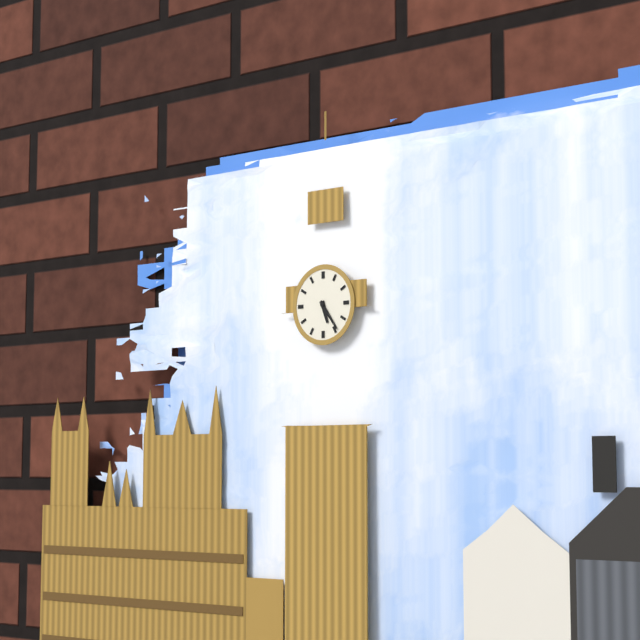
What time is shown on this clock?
5:24
